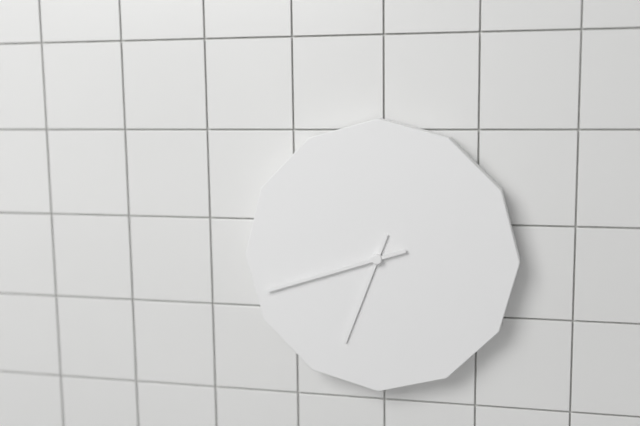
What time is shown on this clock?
6:42
